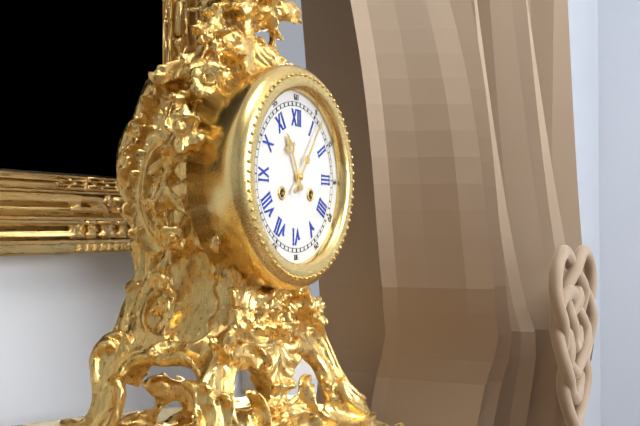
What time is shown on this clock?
11:06
